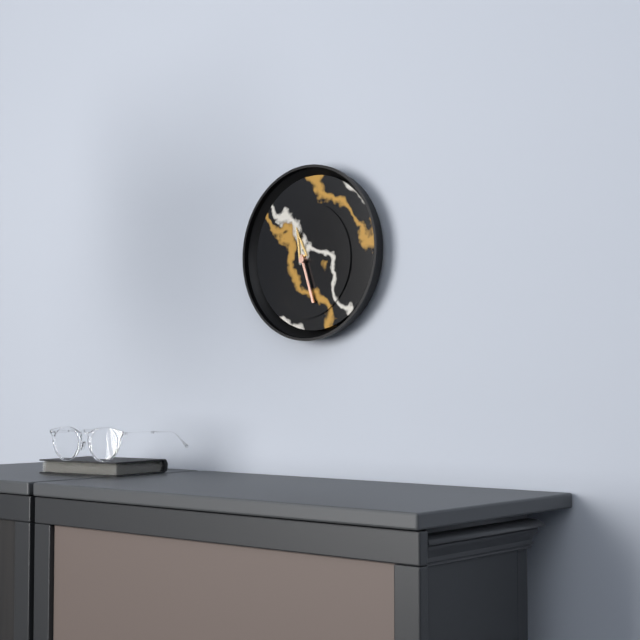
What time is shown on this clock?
11:27
